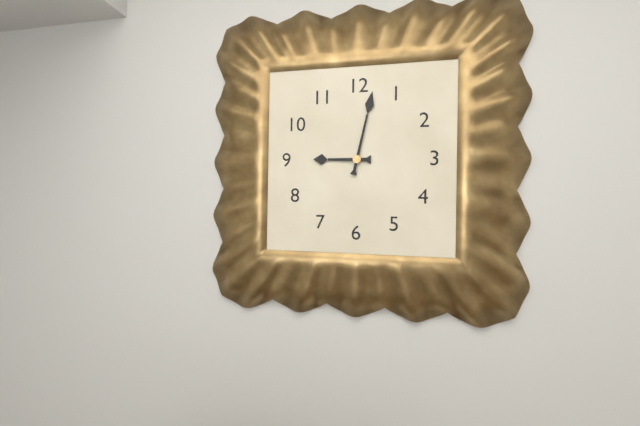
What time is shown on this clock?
9:02
